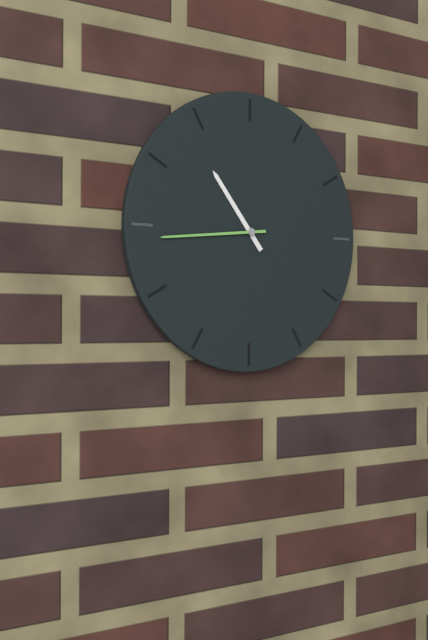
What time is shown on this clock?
10:44
